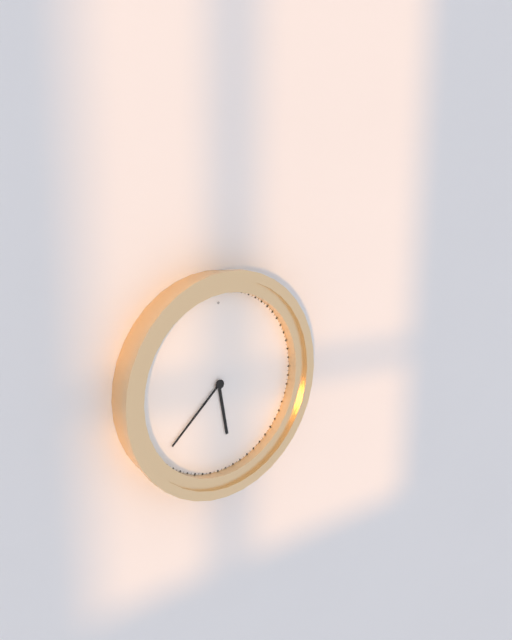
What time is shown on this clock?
5:38
